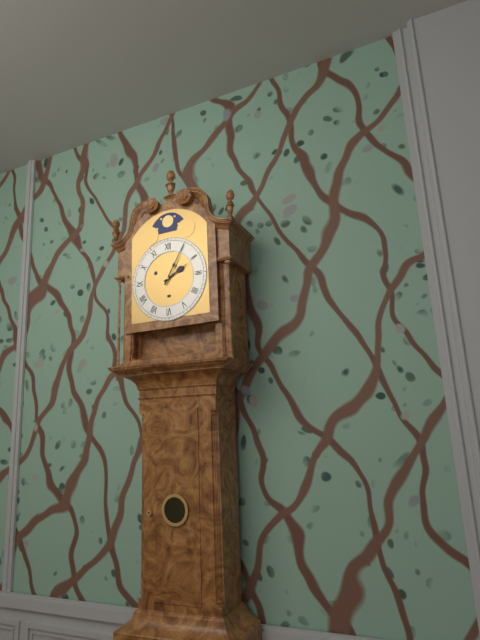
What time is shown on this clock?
2:05
